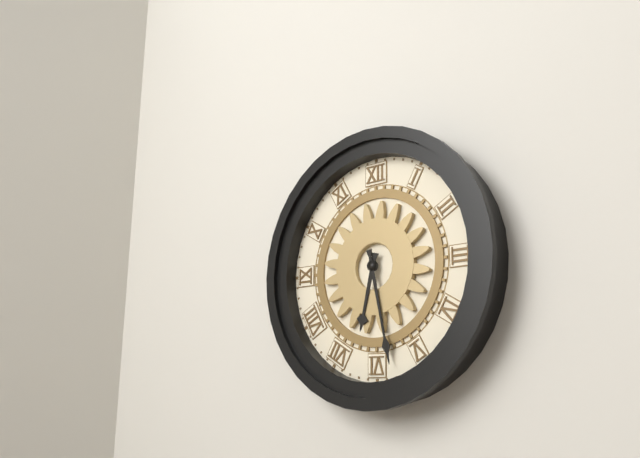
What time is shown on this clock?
6:28
